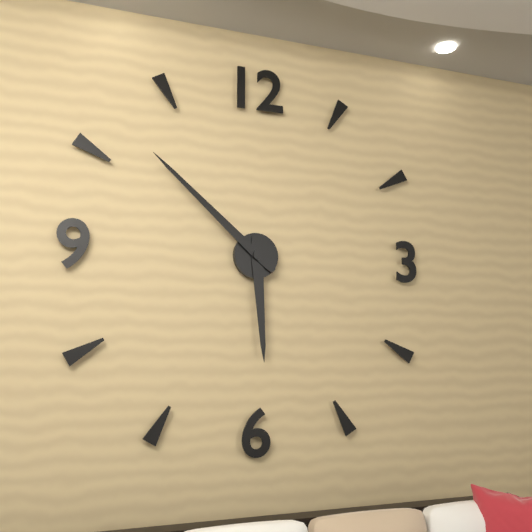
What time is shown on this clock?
5:52
